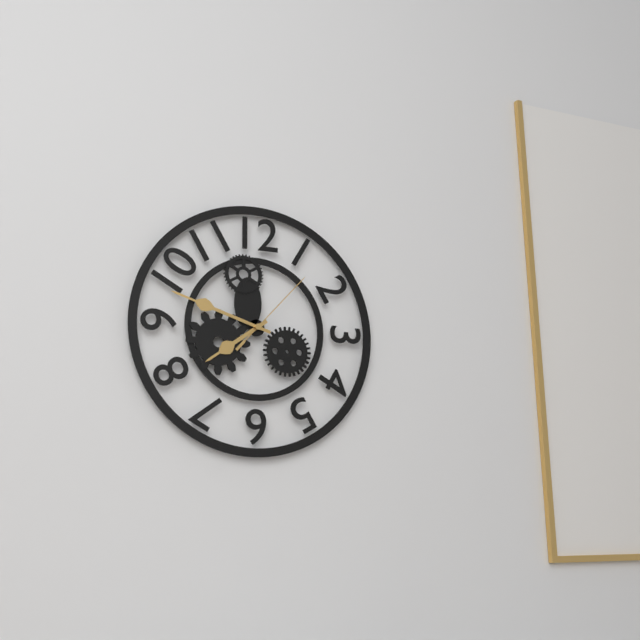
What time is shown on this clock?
7:48:07
